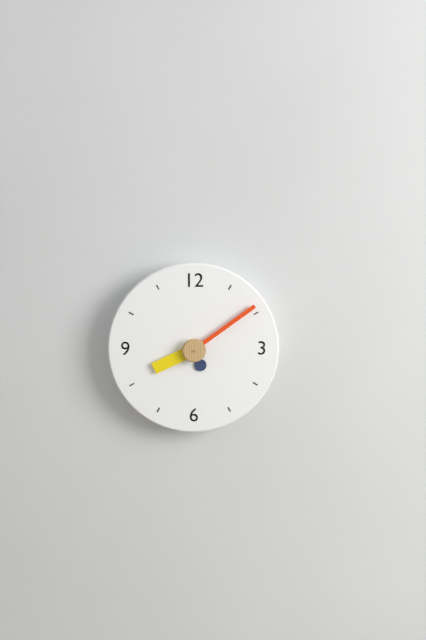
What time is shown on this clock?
8:09
